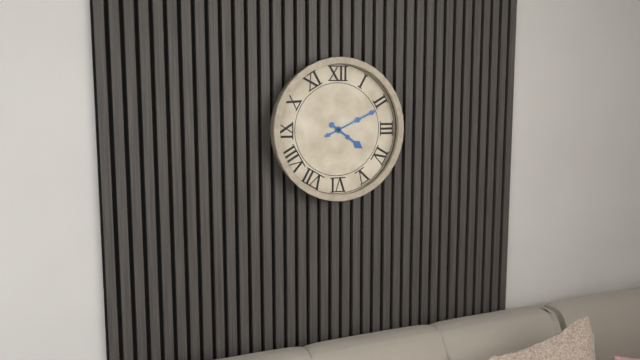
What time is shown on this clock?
4:11
